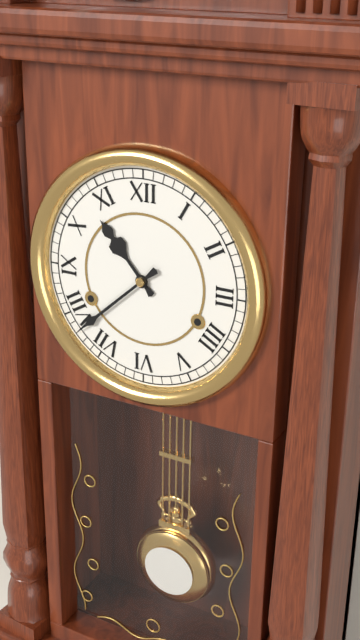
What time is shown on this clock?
10:38
